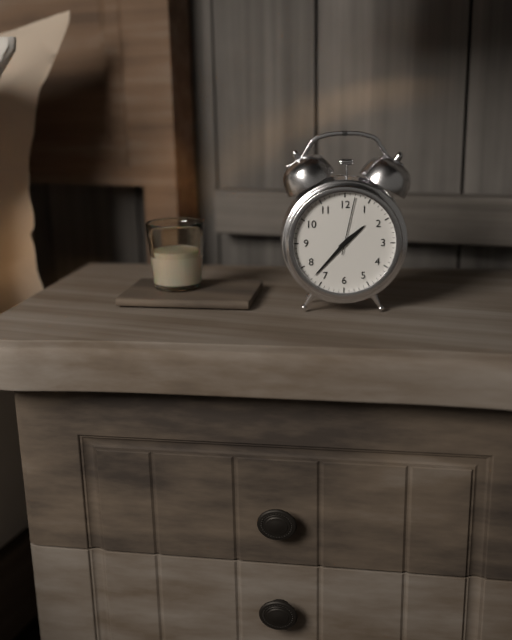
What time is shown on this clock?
1:37:02
